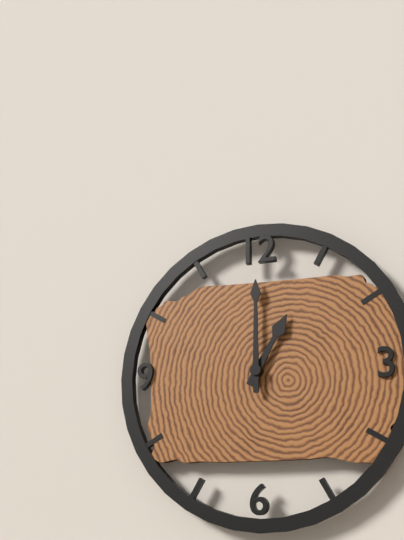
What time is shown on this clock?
1:00
